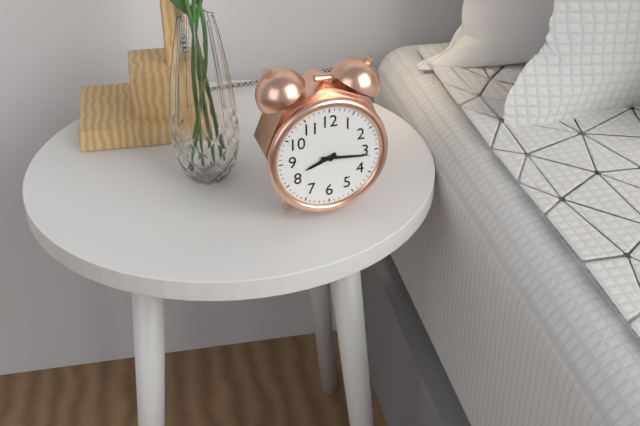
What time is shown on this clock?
8:16
